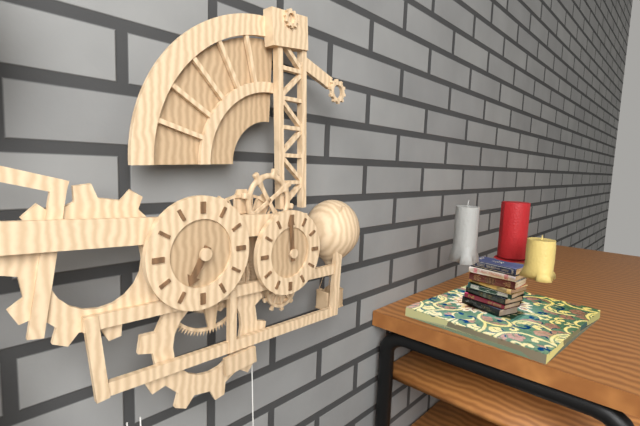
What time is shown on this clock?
6:59
